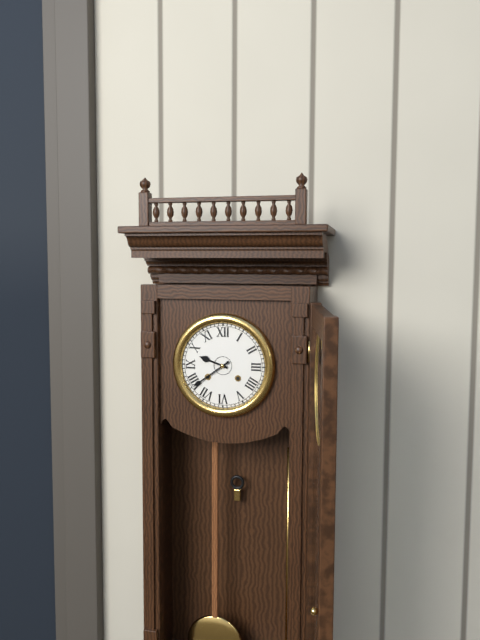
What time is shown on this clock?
9:39
